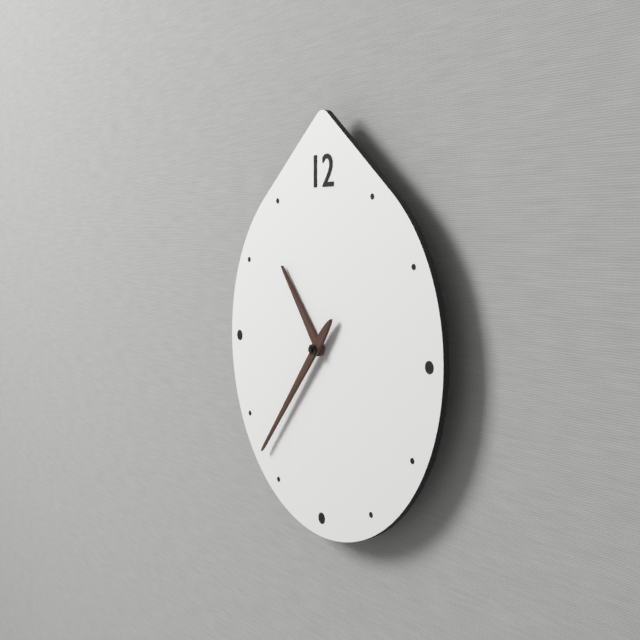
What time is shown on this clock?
10:37
